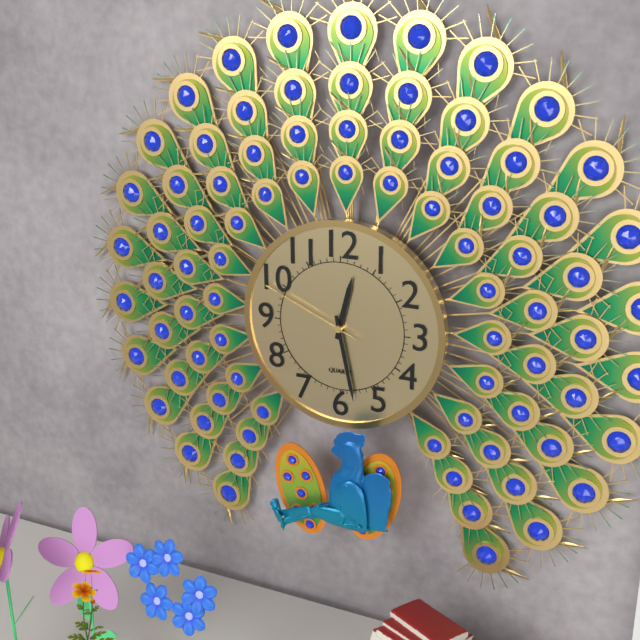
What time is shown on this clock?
12:28:49
